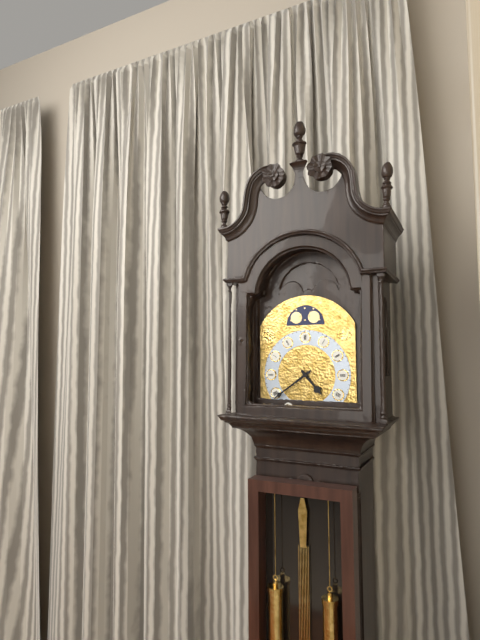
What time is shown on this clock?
4:39
